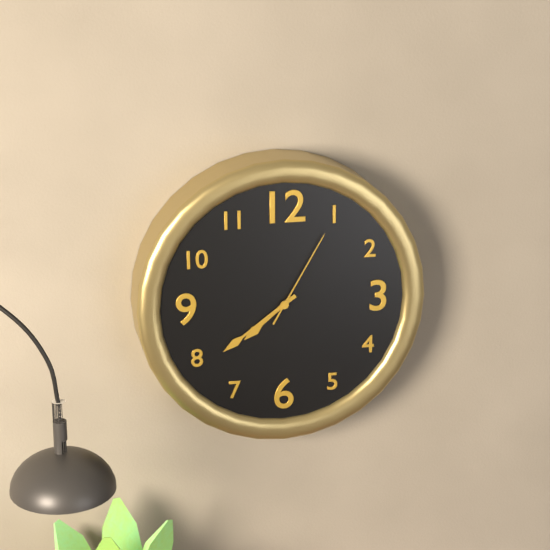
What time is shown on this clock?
7:39:05
